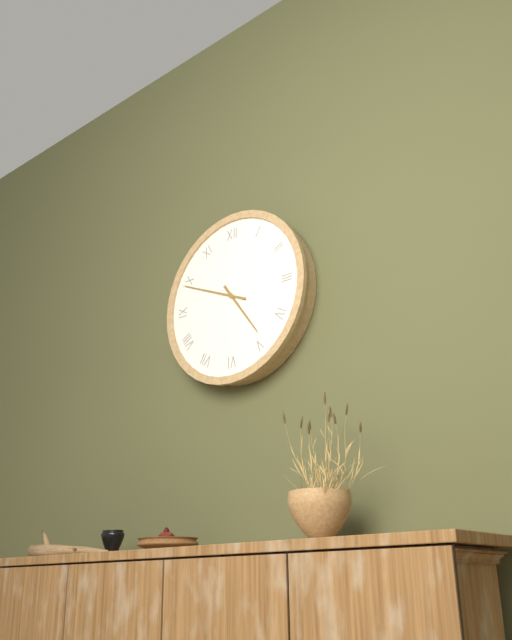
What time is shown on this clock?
4:49
